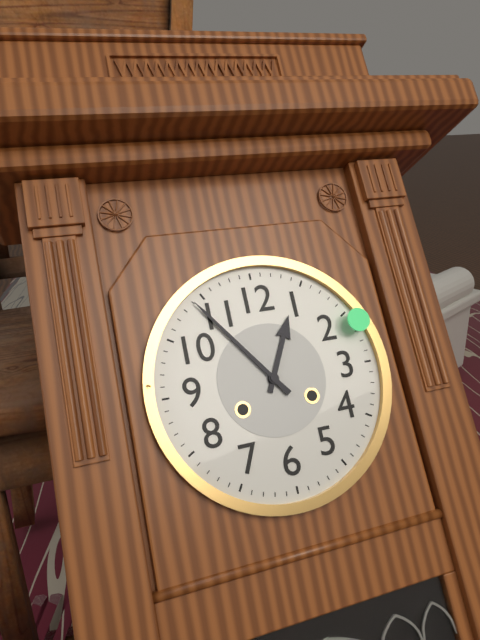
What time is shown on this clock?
12:54
